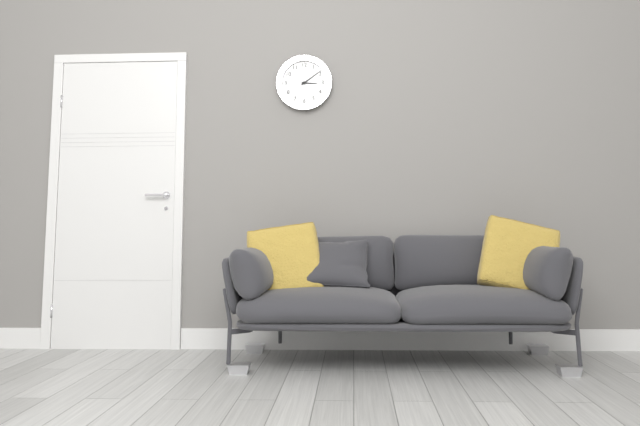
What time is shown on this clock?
3:09
